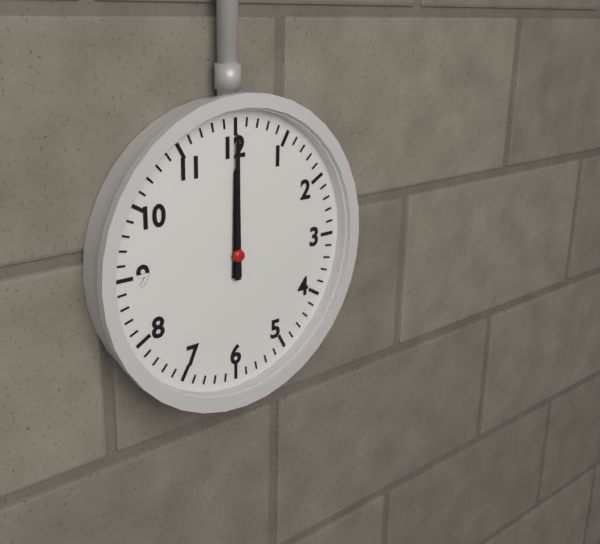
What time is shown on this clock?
12:00
